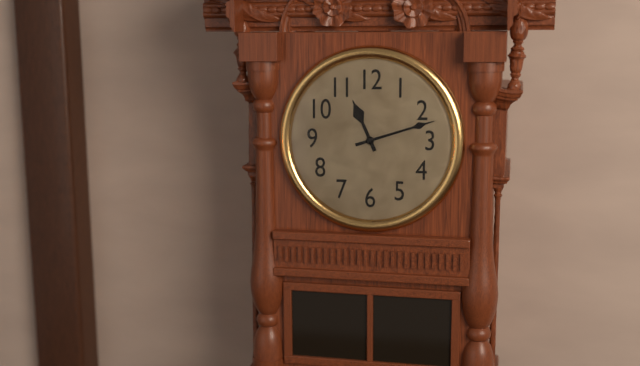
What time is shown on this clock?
11:12
